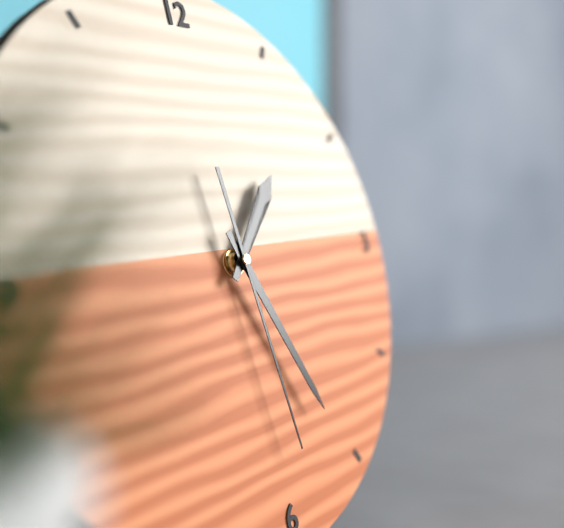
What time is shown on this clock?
1:26:29
